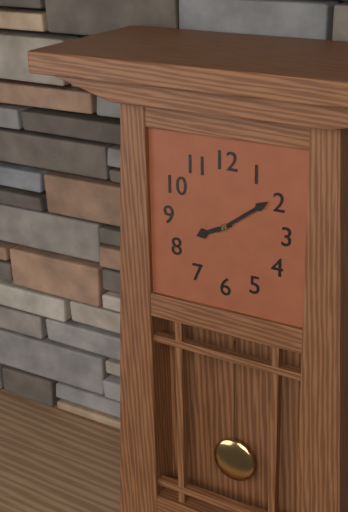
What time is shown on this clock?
8:09
